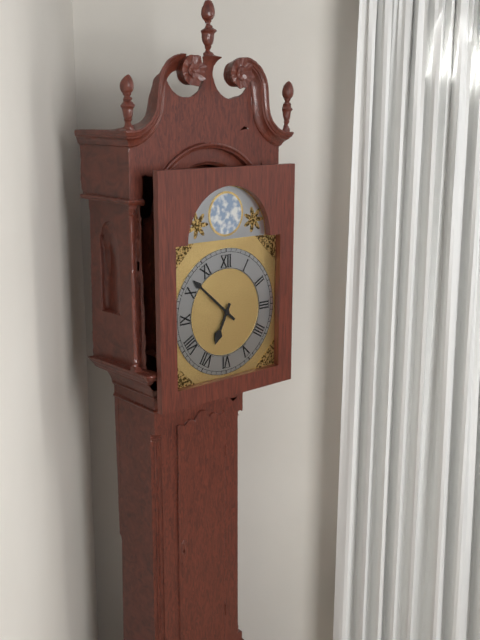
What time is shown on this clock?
6:52
